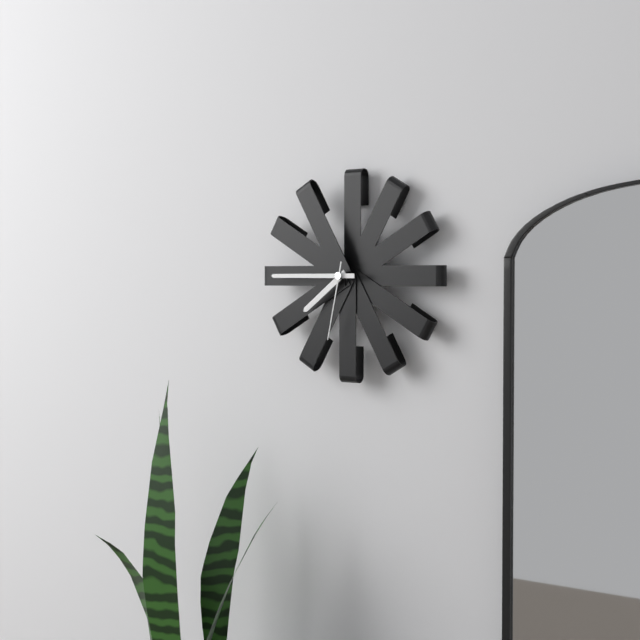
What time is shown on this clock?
7:45:32
